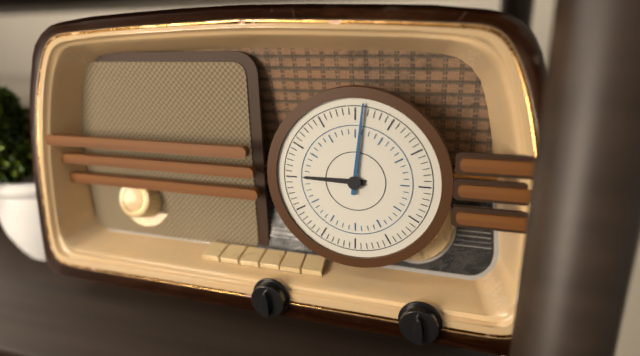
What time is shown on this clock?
9:01
